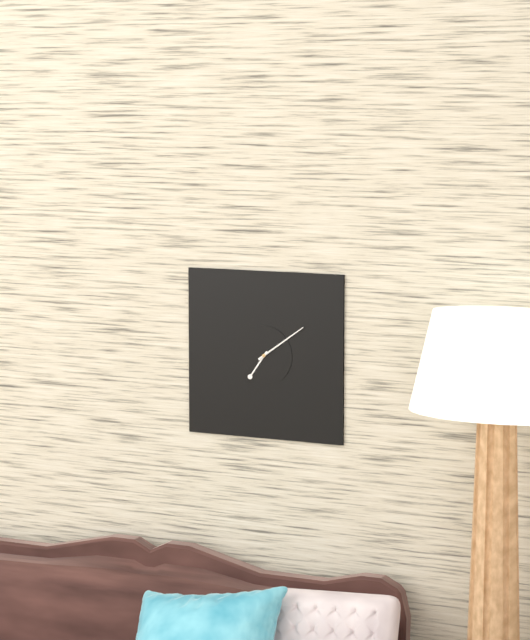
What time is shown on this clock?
7:09
